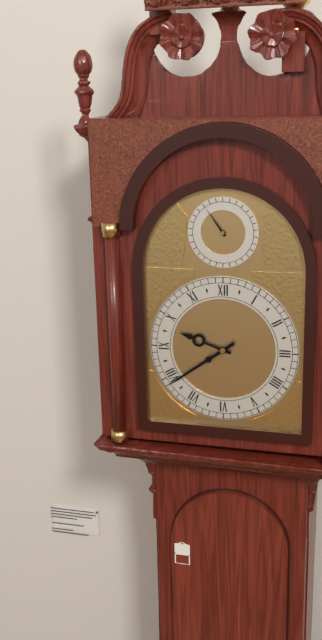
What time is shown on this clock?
9:39
